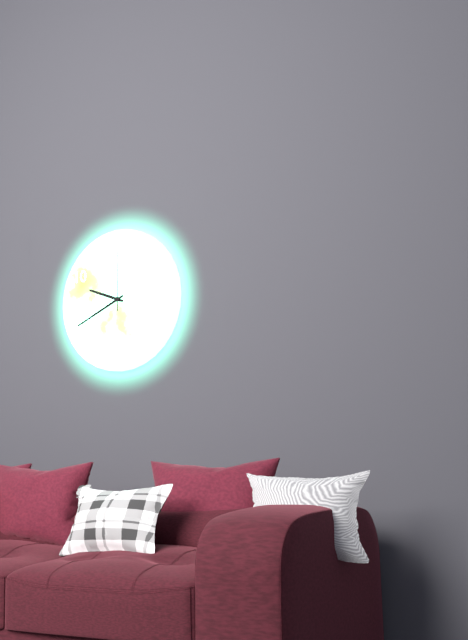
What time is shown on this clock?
9:41:00
